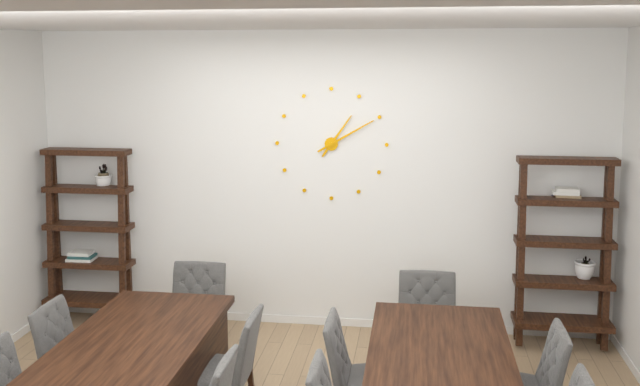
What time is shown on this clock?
1:10
